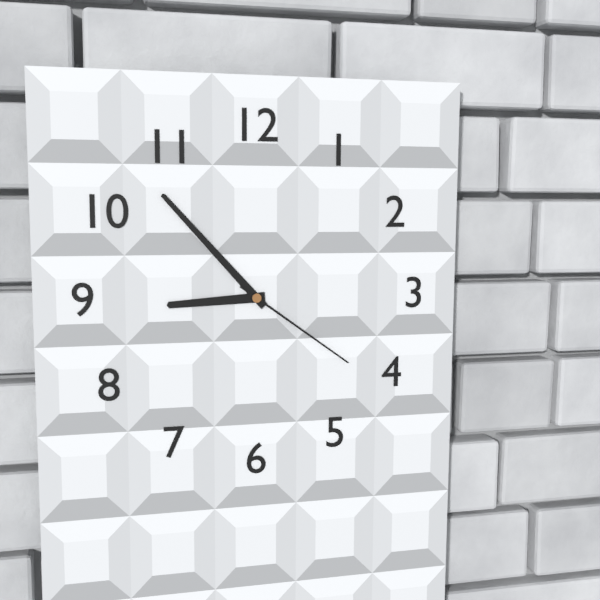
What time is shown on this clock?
8:53:21
